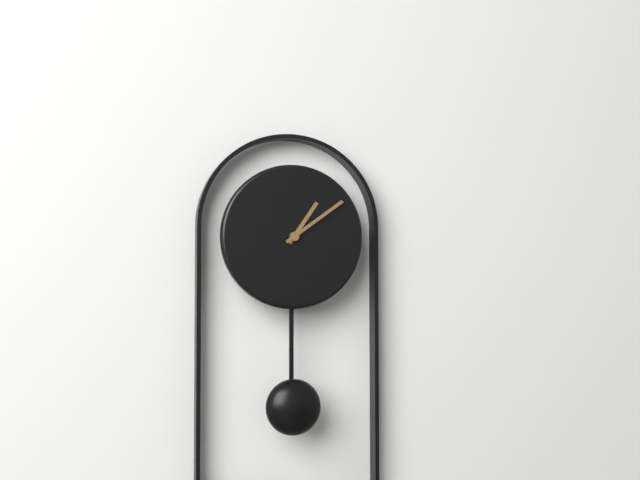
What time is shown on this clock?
1:09
